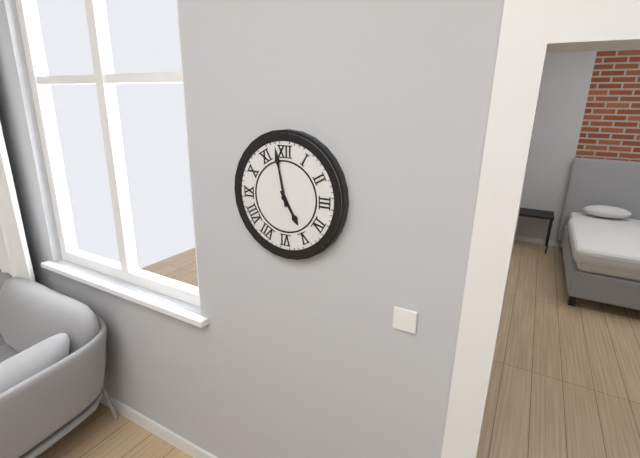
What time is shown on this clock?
4:58
